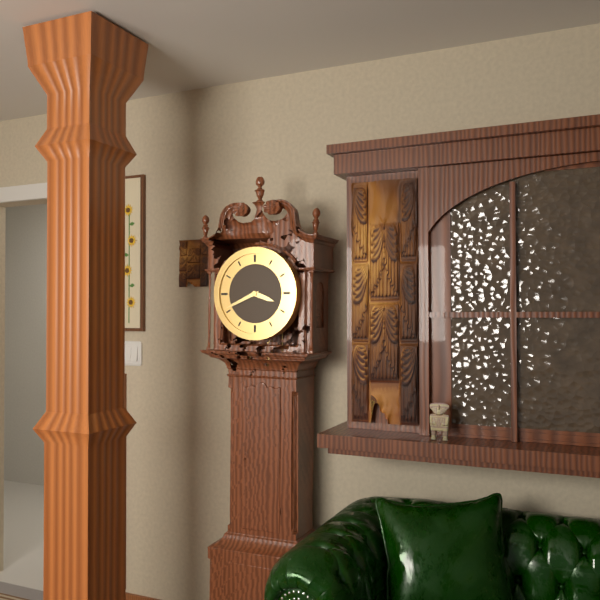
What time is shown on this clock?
3:41
